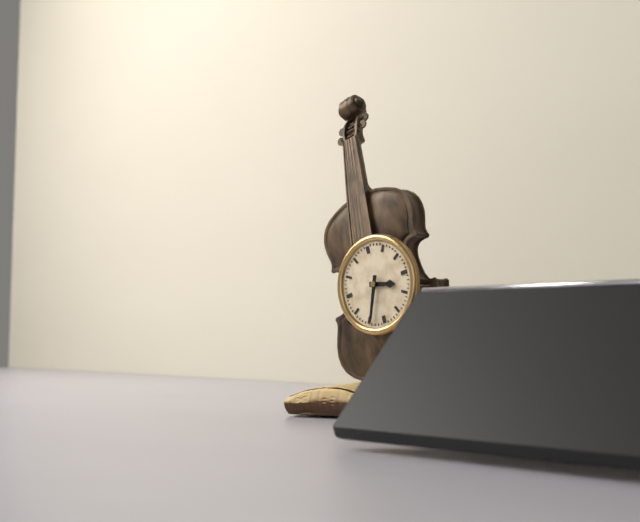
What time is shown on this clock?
3:34
